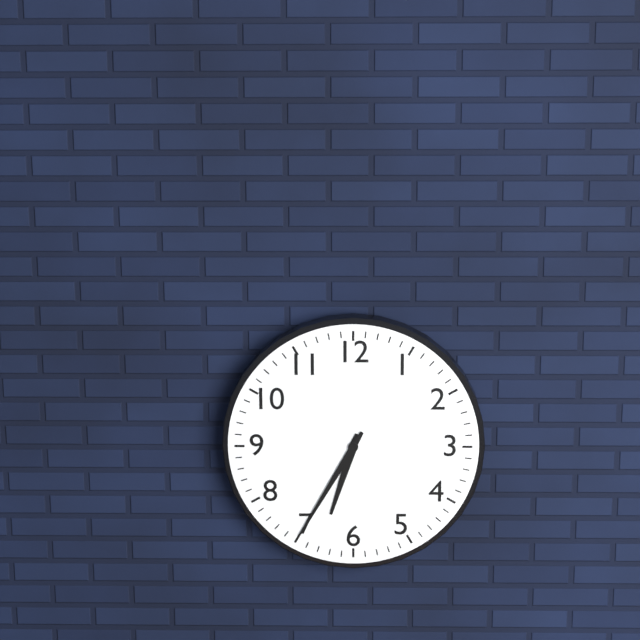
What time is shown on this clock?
6:35
